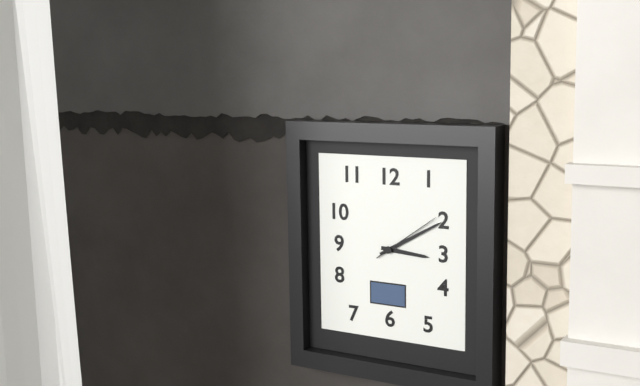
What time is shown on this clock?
3:10:09
